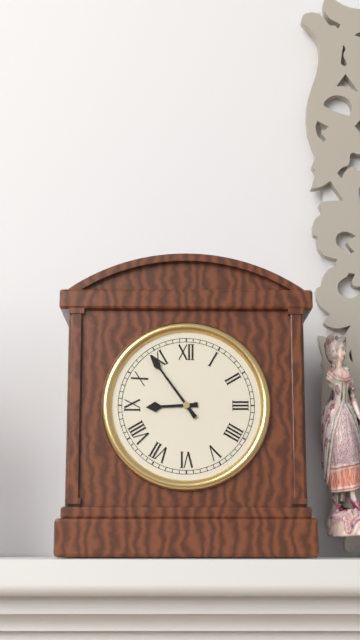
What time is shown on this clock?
8:54
